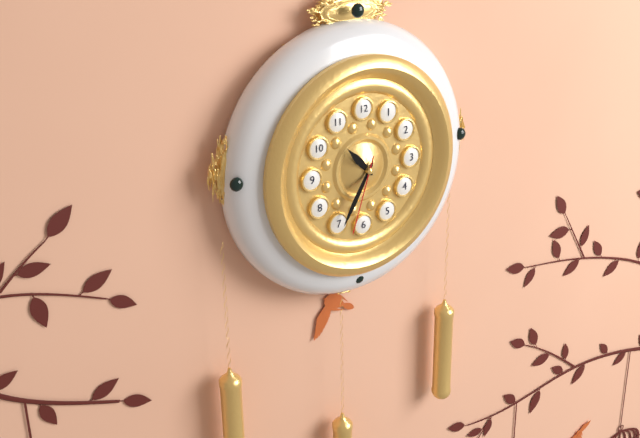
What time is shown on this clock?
10:35:33
